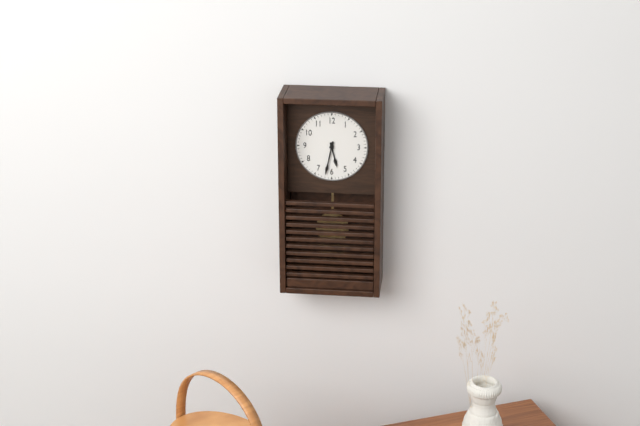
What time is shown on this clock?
5:32
